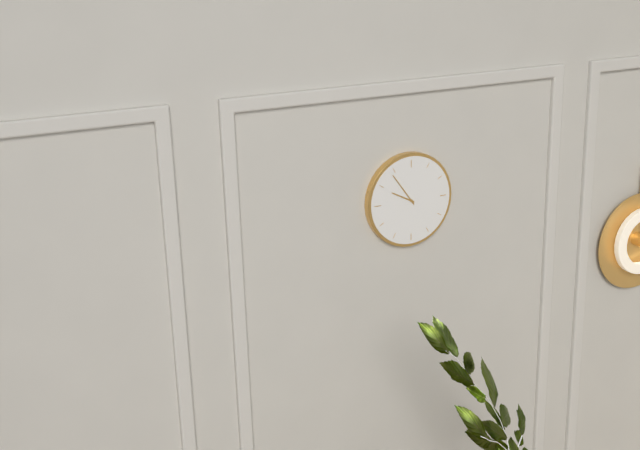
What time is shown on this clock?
9:54
